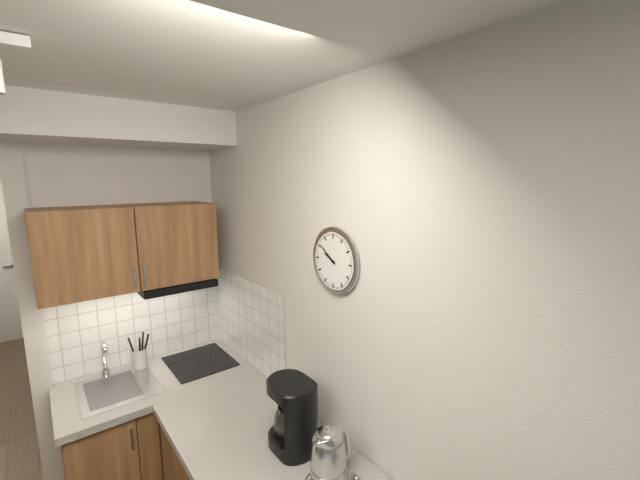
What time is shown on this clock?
9:51
